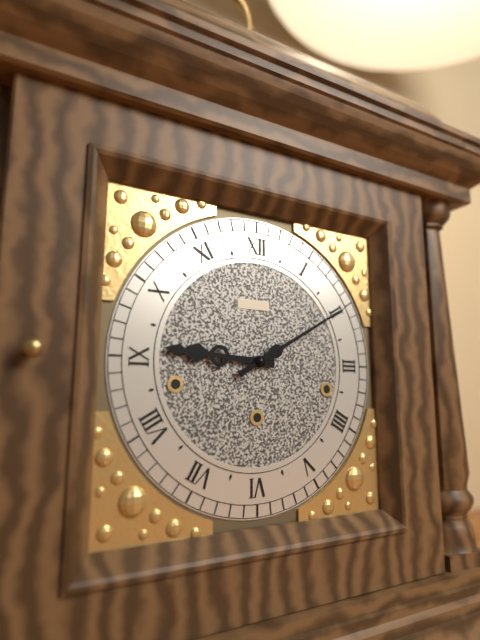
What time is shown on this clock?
9:10
